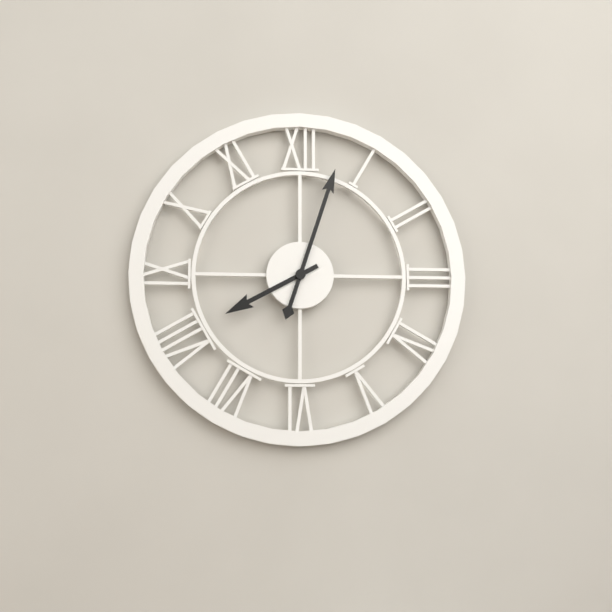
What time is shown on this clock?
8:03
